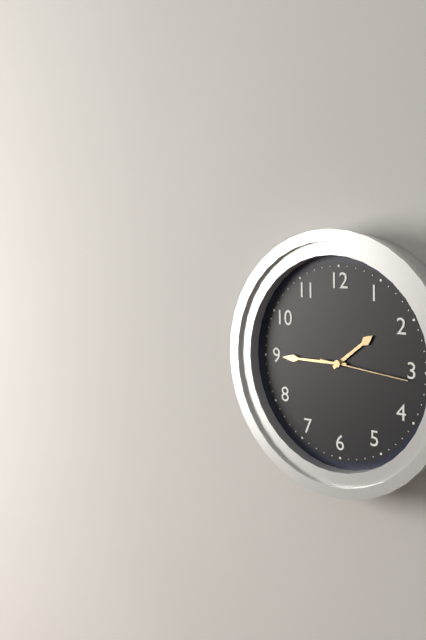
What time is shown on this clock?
1:45:16
